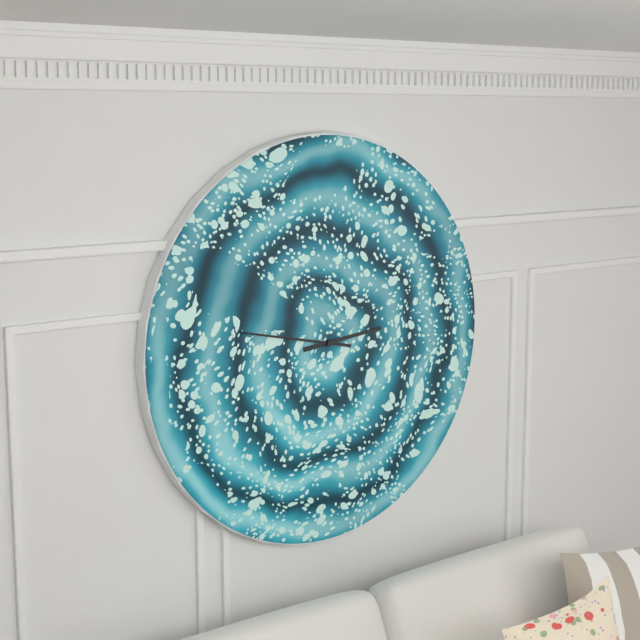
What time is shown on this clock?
2:47
